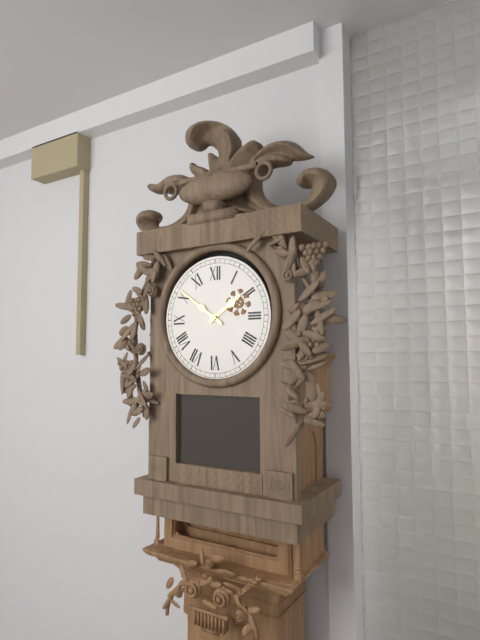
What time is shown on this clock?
1:51
